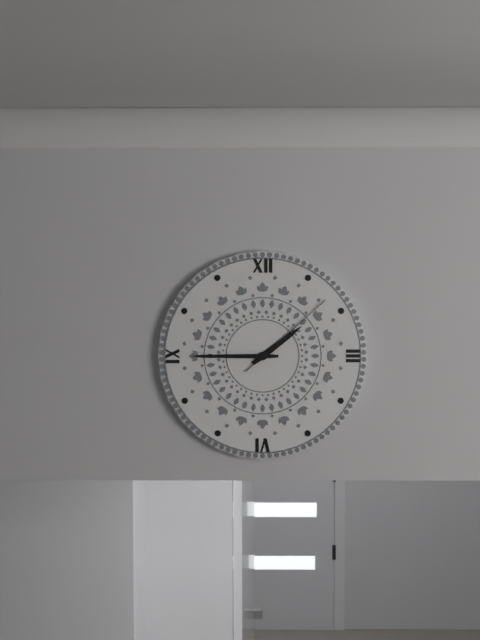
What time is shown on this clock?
1:45:08
